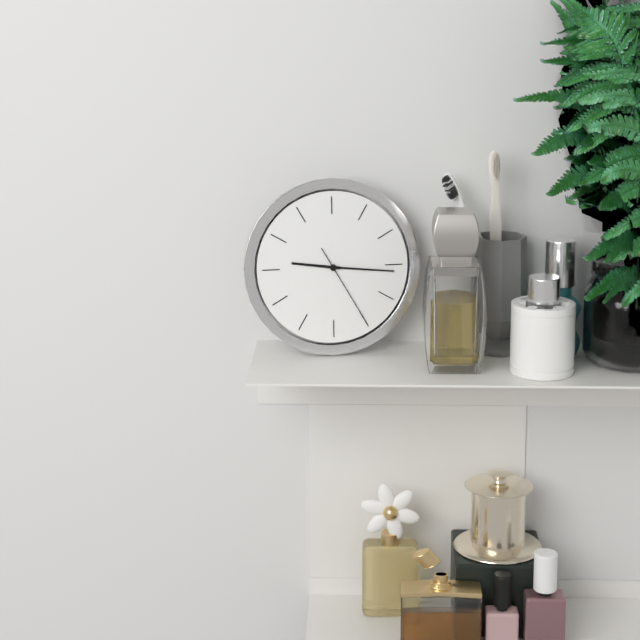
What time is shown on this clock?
9:16:25
